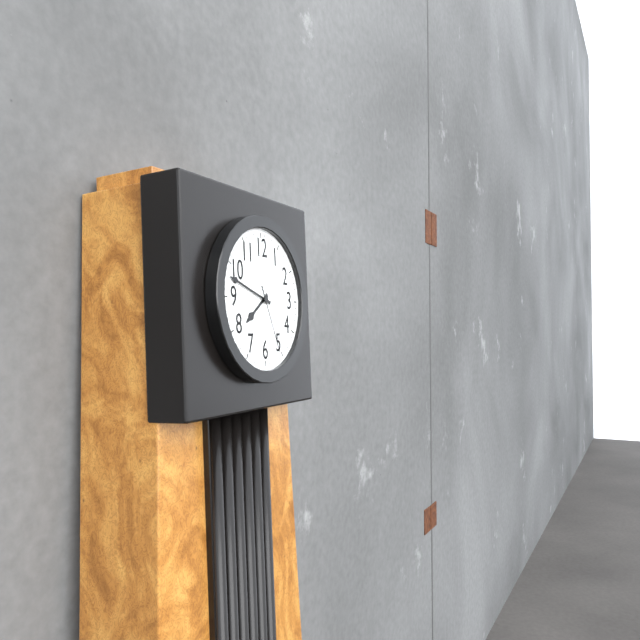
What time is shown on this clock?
7:48:26
